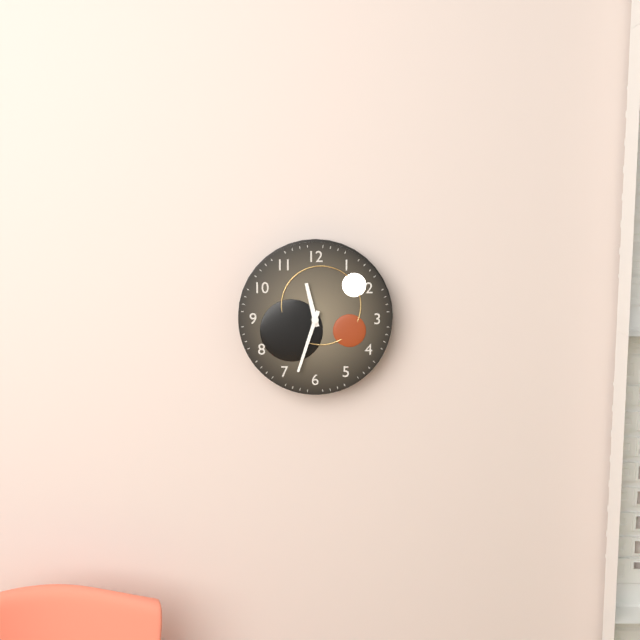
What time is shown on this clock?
11:33
